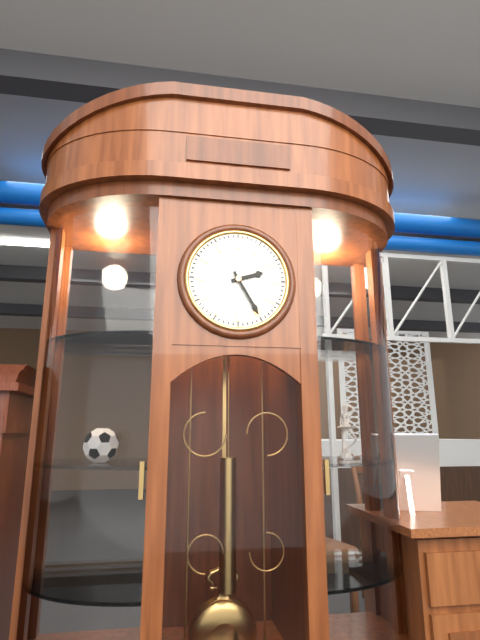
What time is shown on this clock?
2:25
